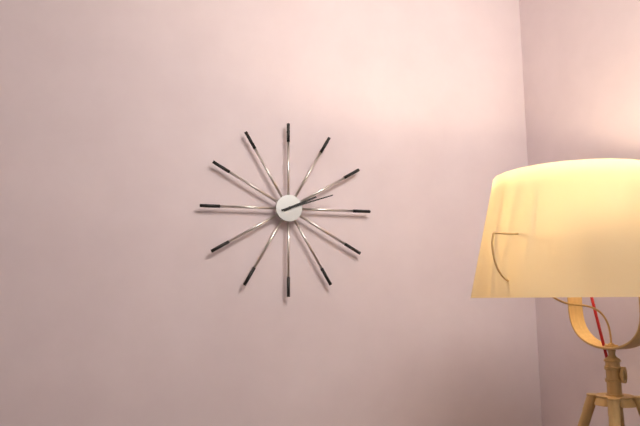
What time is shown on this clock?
2:12
